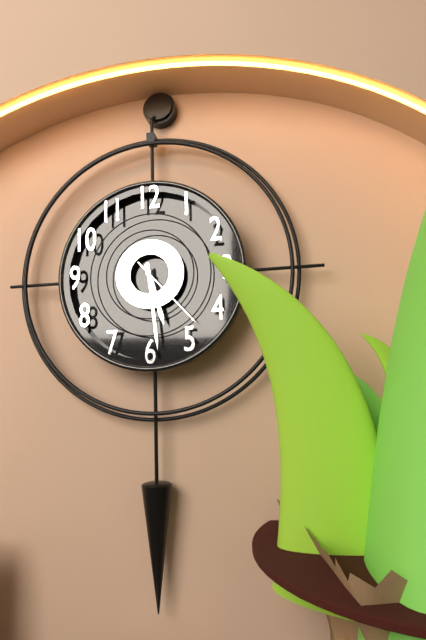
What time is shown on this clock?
5:29:23
